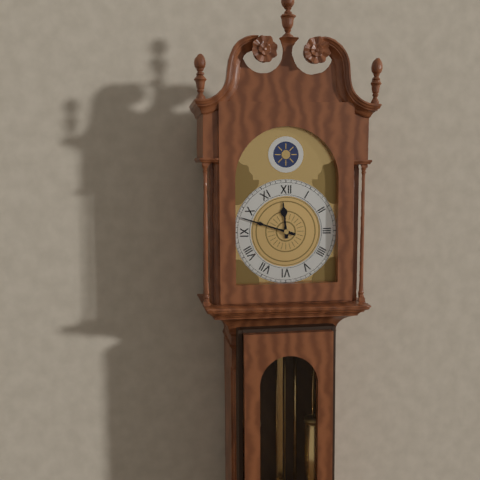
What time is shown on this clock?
11:48
